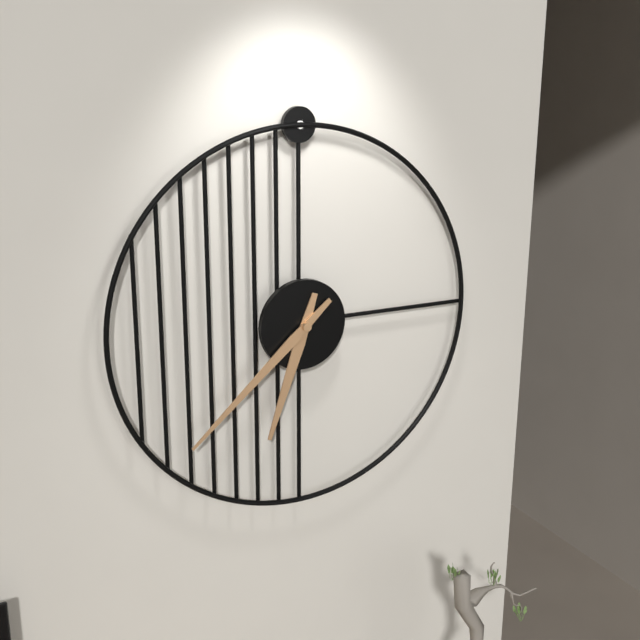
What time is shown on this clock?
6:38
